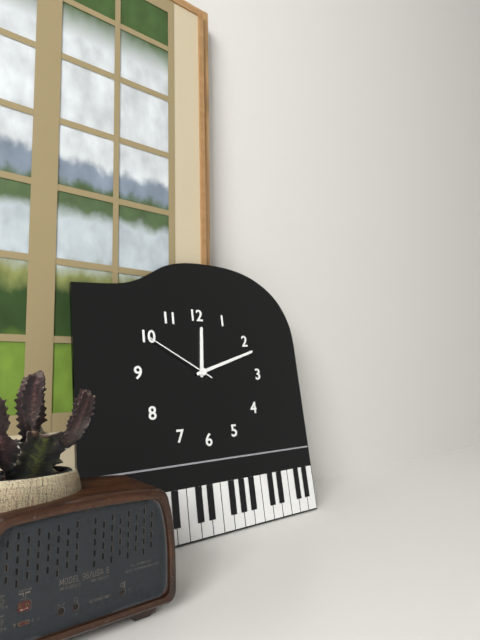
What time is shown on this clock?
12:12:50
